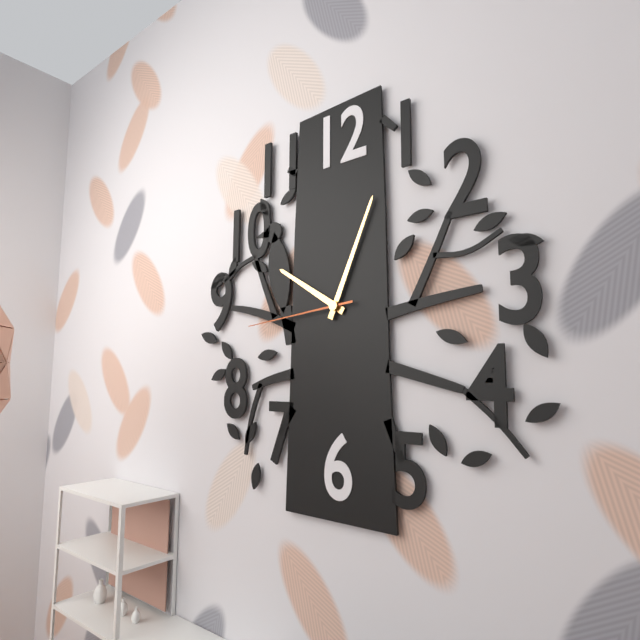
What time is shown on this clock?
10:04:44
